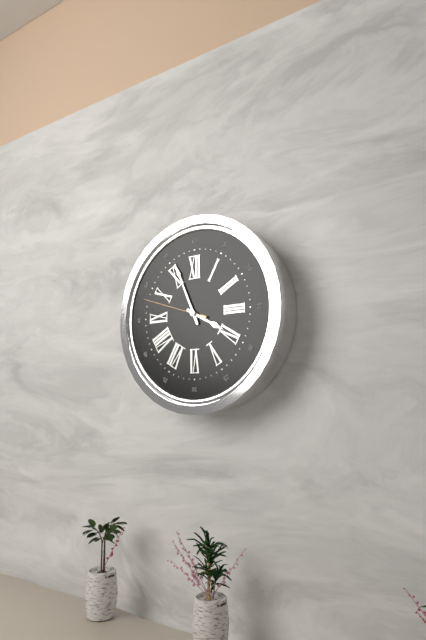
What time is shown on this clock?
3:56:48
